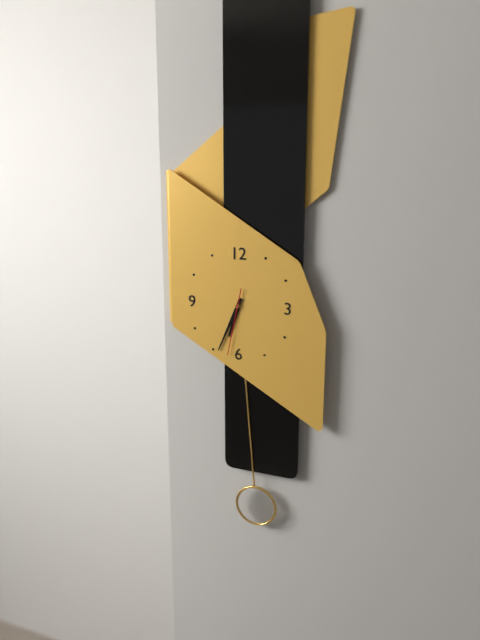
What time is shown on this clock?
6:34:32
